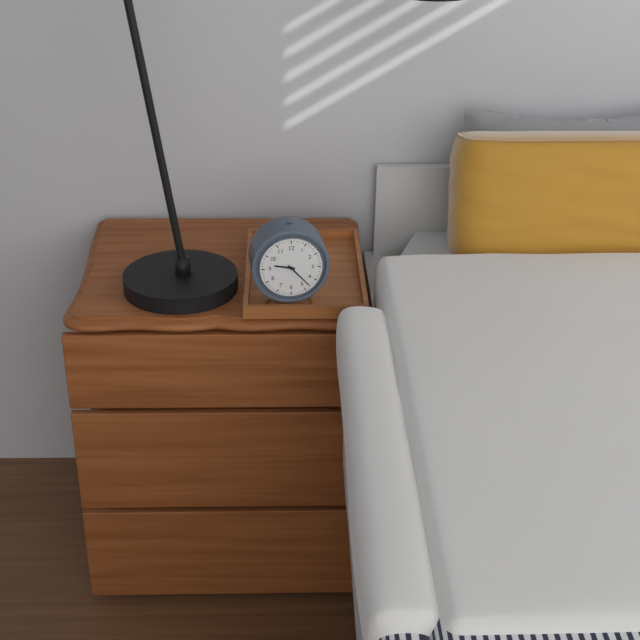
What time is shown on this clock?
9:23
